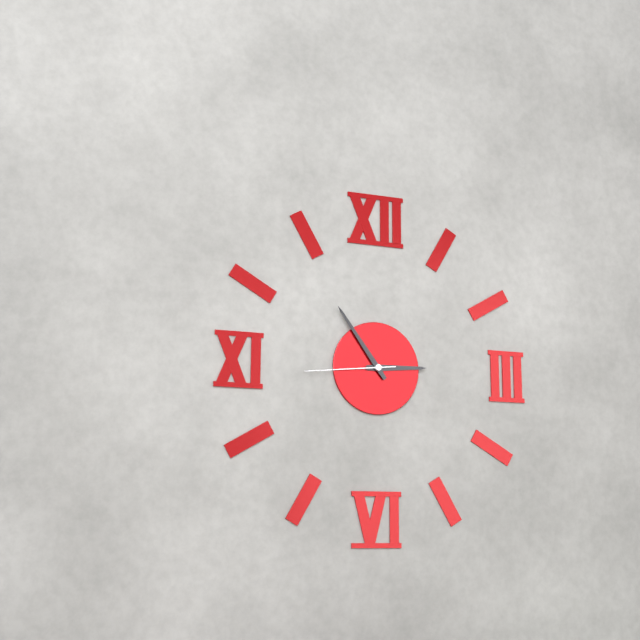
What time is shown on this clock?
2:54:44
